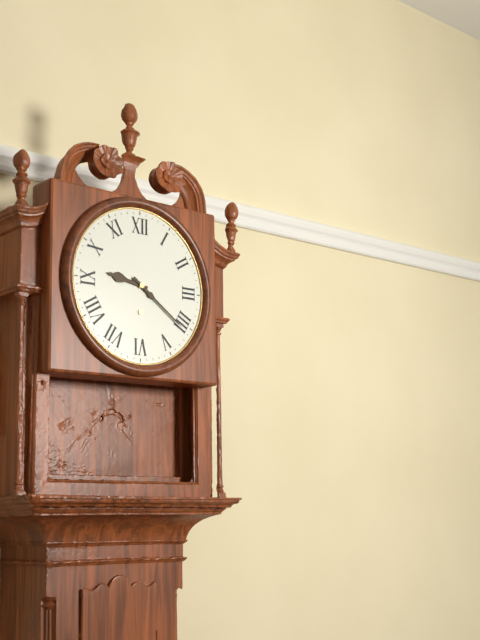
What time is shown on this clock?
9:21
